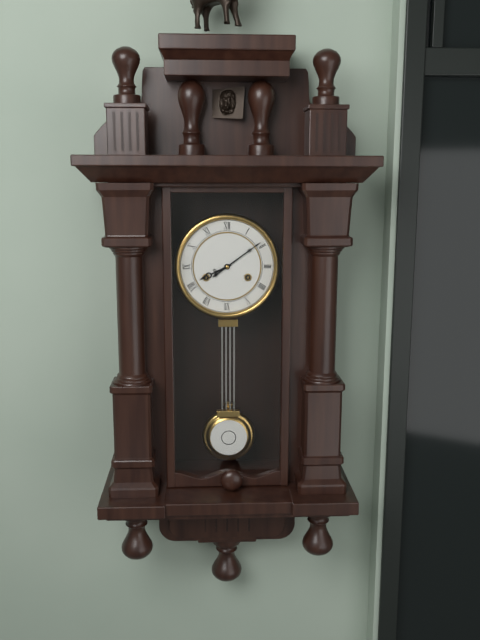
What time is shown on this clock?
8:09
